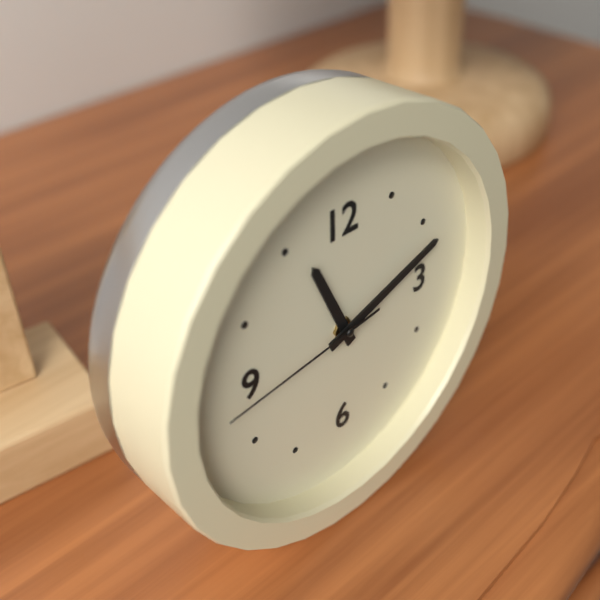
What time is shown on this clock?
11:12:44
